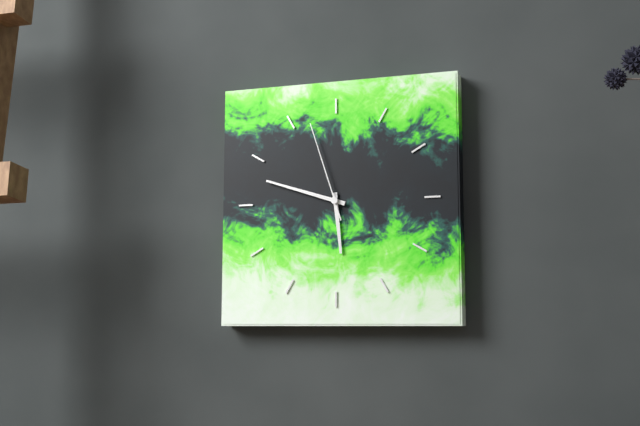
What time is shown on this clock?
5:48:57
